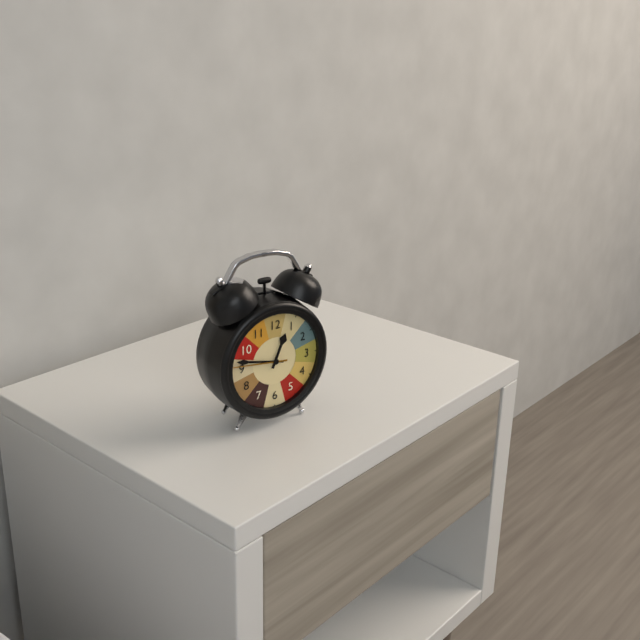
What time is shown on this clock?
12:47:46
